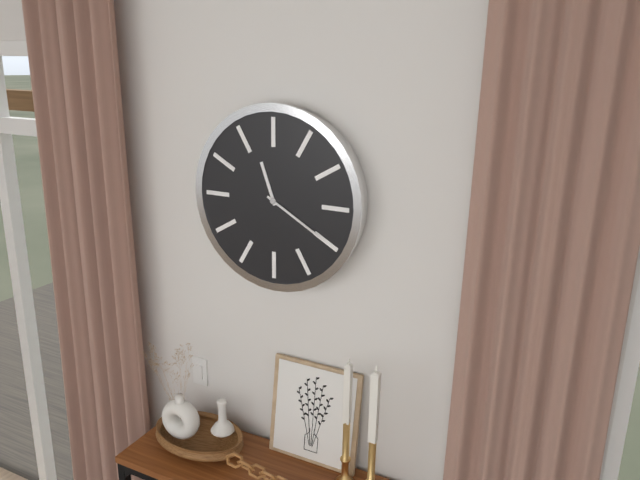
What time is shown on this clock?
11:20
